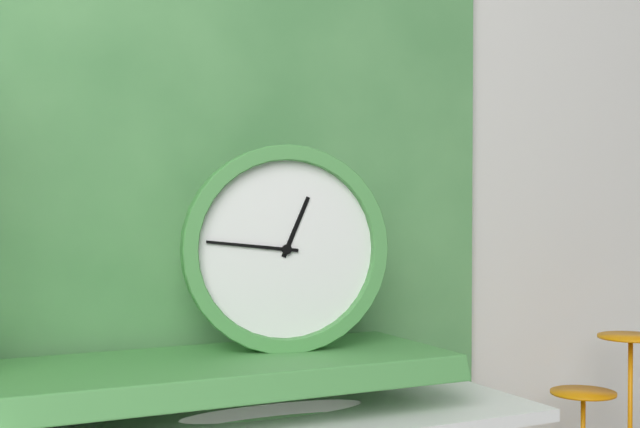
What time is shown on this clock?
12:46
